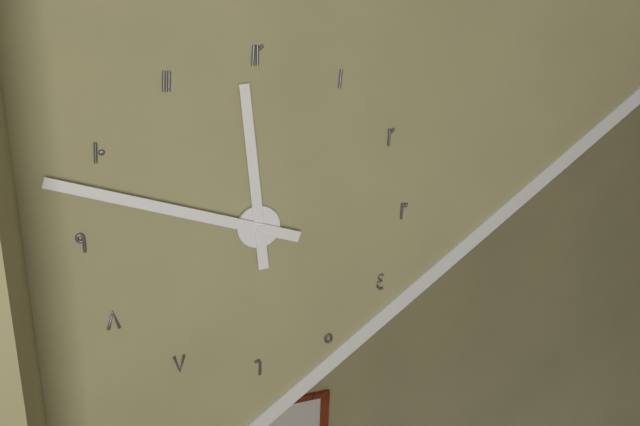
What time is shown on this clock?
11:48
